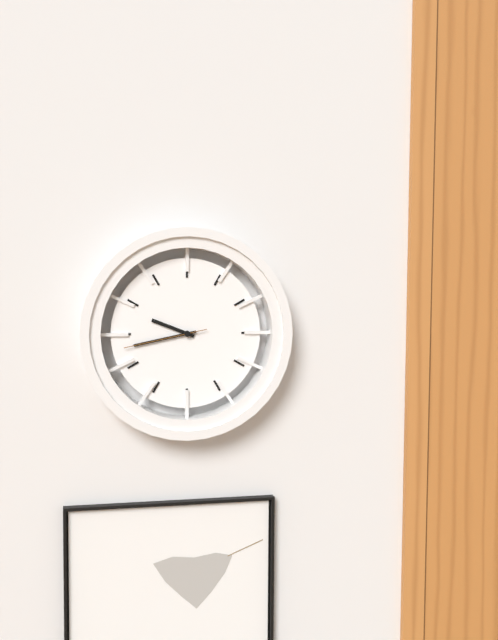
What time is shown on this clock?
9:43:43
